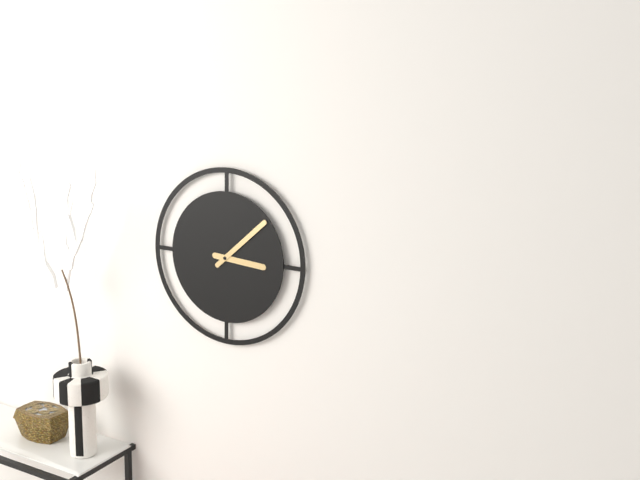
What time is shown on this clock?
3:08
